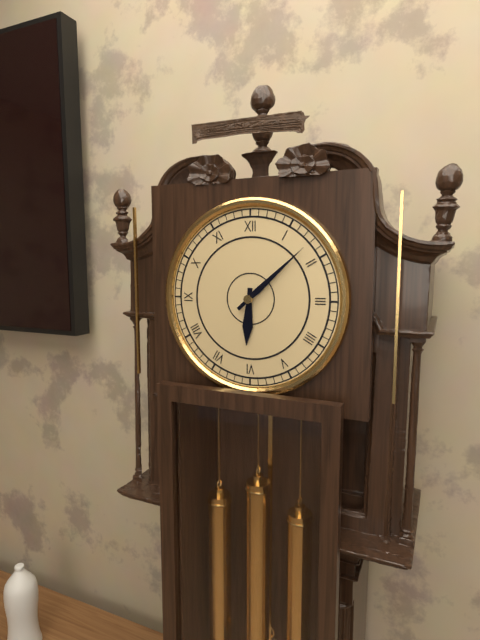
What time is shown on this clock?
6:08
